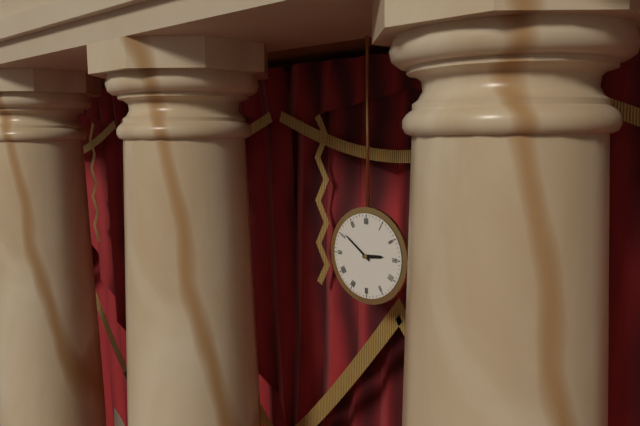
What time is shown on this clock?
2:51
